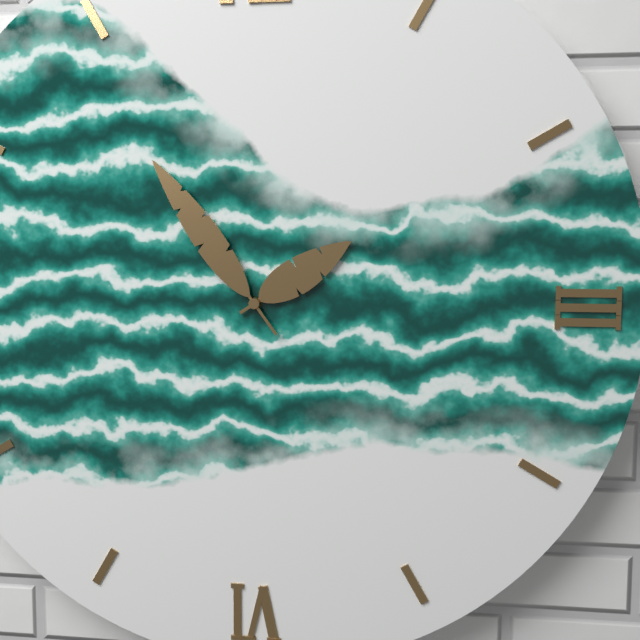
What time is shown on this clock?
1:54
